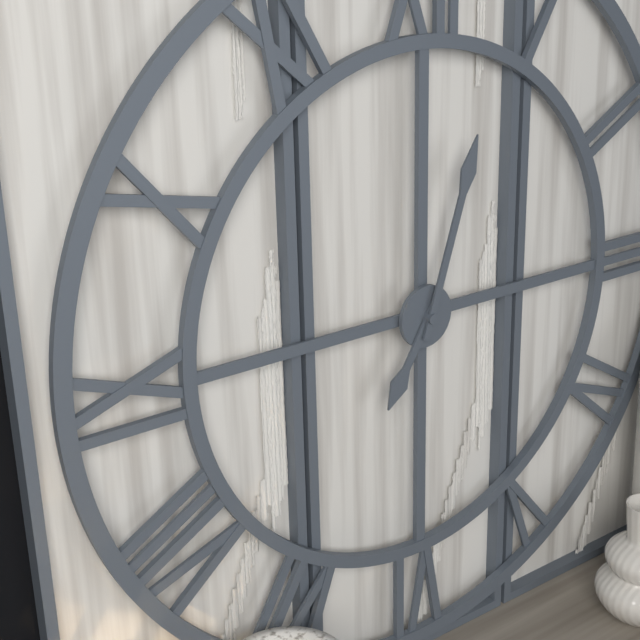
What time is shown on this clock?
7:03
